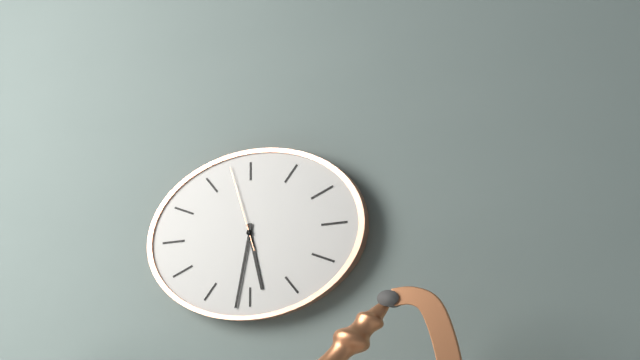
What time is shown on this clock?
5:32:57
